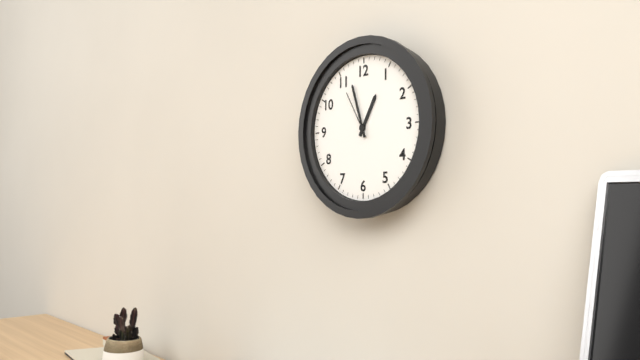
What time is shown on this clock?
12:57
